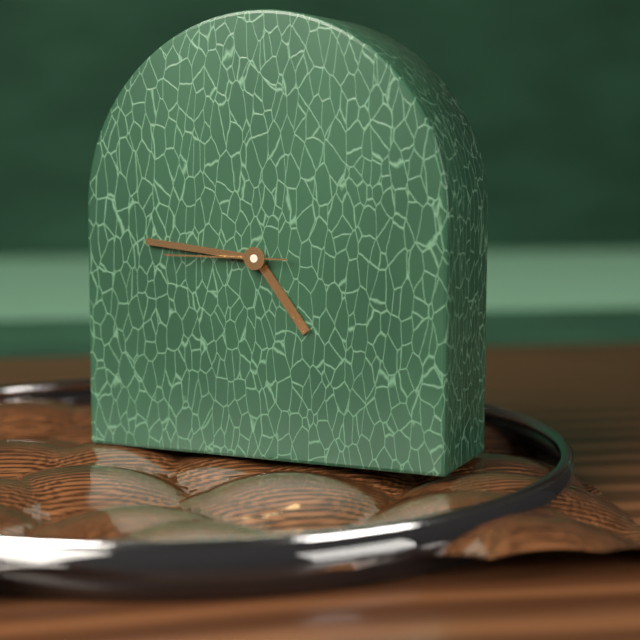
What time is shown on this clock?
4:46:45
